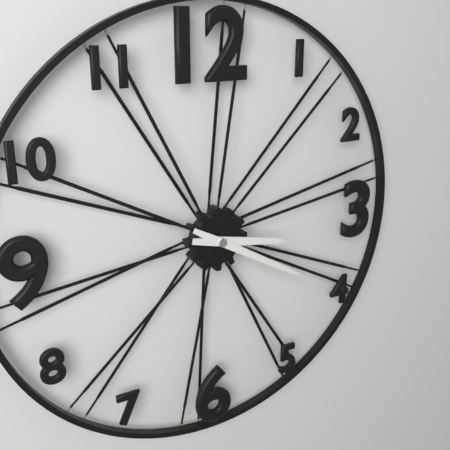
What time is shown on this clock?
3:20
